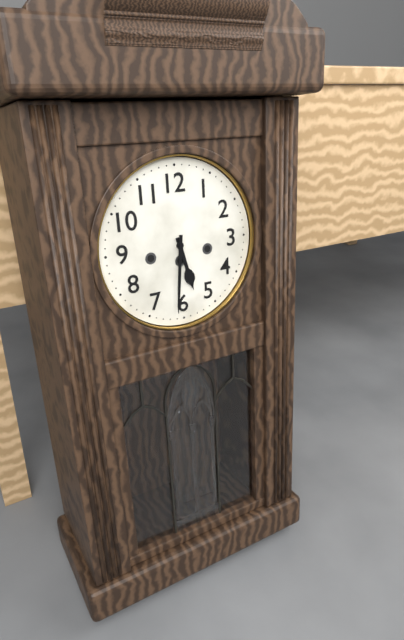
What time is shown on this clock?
5:31
